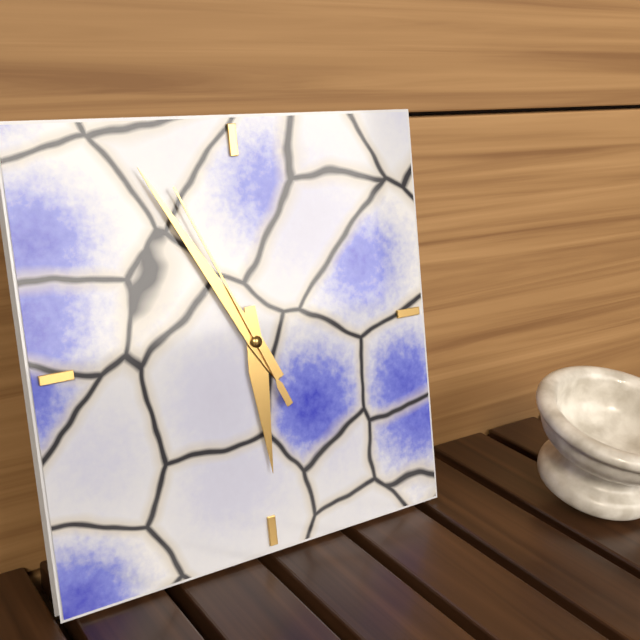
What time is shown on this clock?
5:55:56
